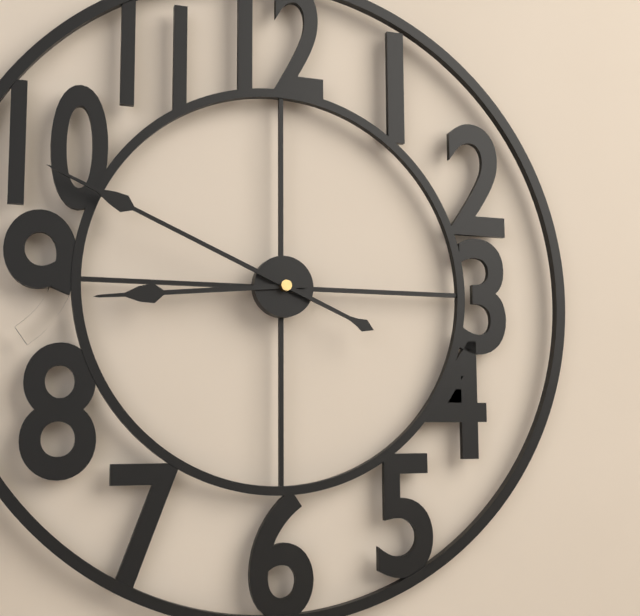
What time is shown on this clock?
8:49
